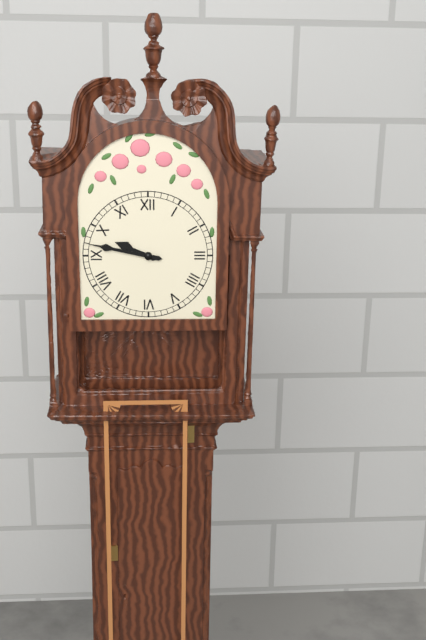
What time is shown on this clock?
9:47
